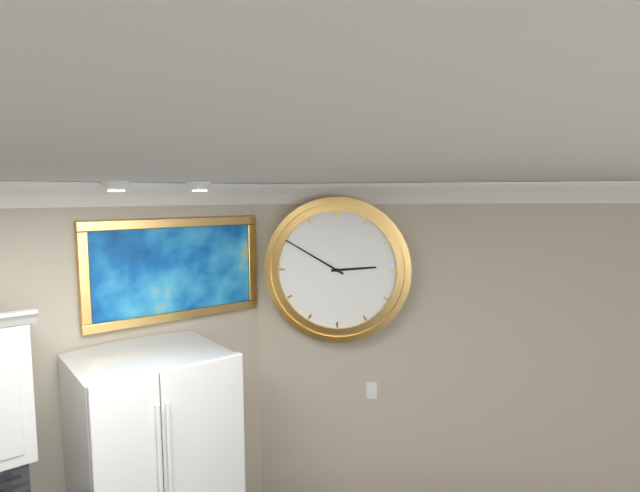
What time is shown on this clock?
2:50
